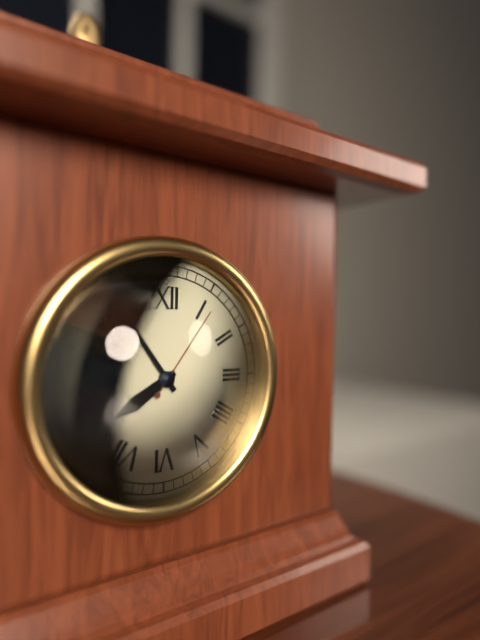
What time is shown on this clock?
7:54:06
